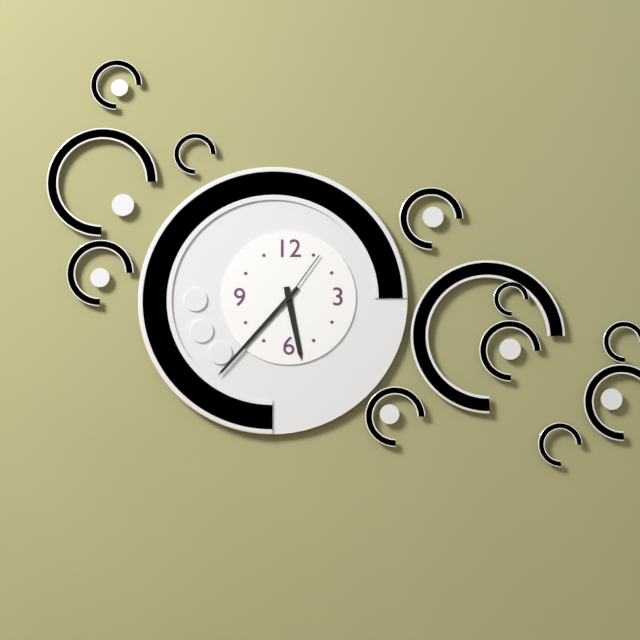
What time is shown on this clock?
5:37:06
